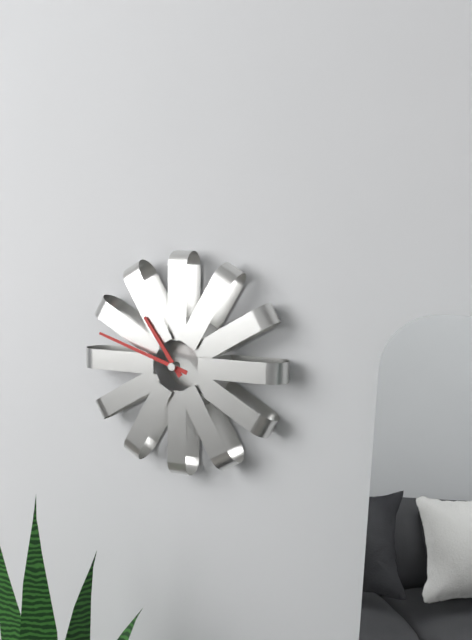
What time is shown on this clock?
10:48
